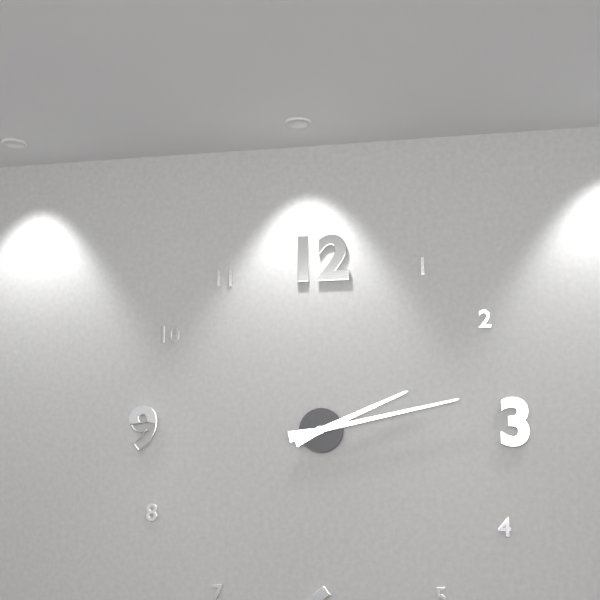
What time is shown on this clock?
2:13
